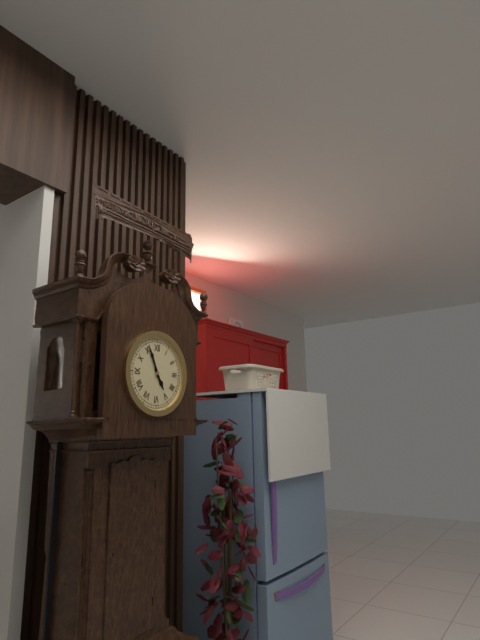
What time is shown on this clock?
4:56
